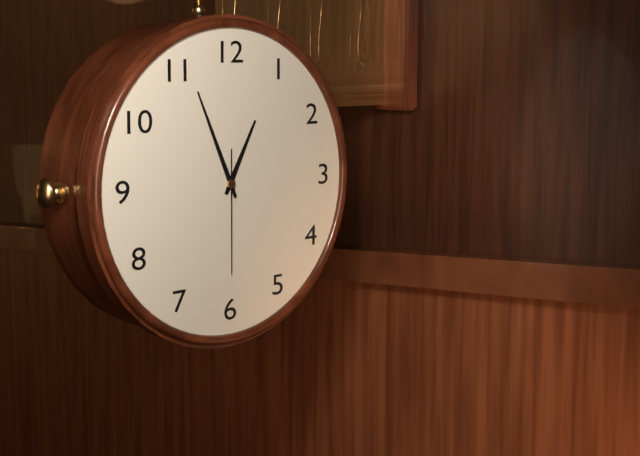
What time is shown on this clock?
12:56:30
